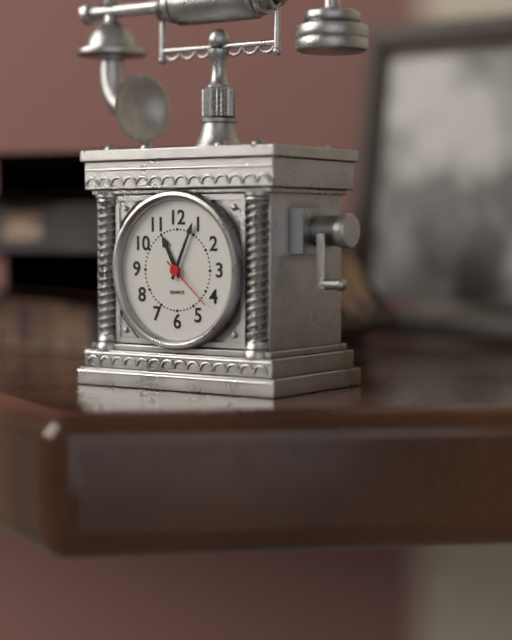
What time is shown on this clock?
11:04:22
